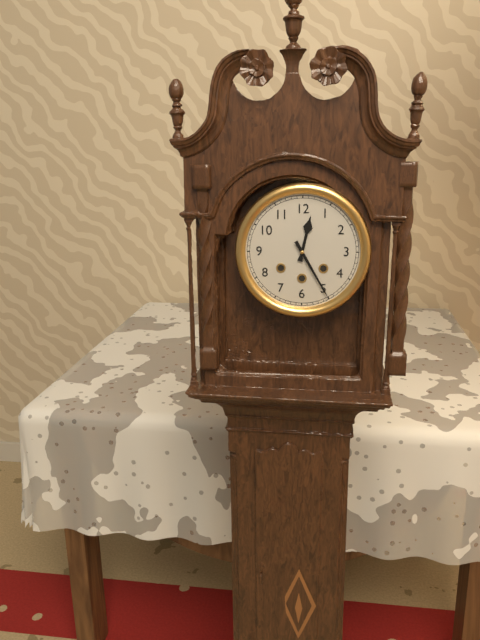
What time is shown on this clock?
12:25
